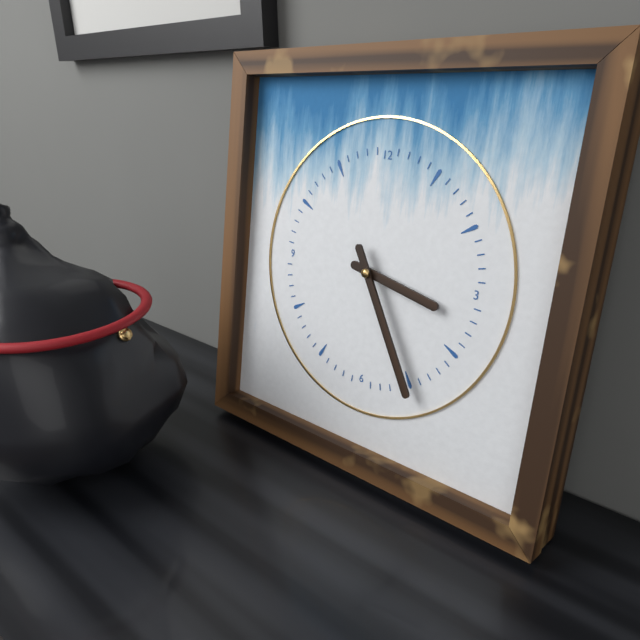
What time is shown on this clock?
3:25
